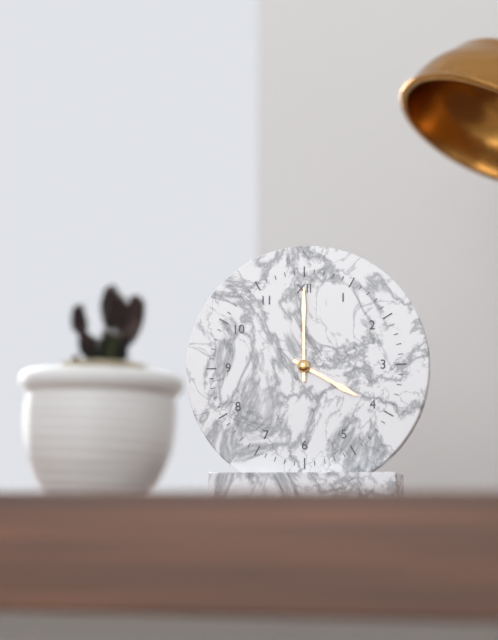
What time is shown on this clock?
4:00
